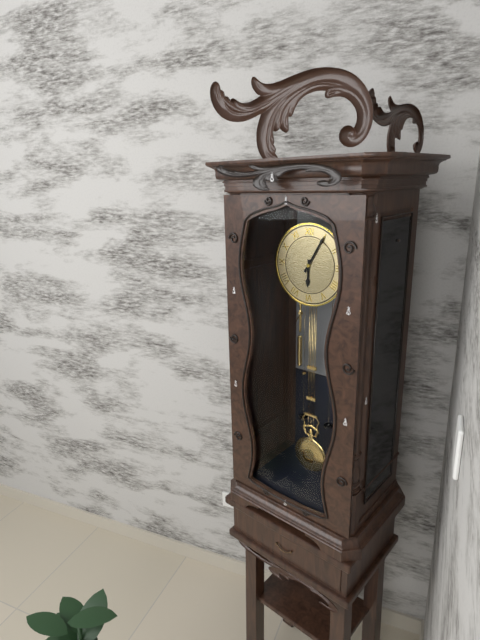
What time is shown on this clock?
6:05
